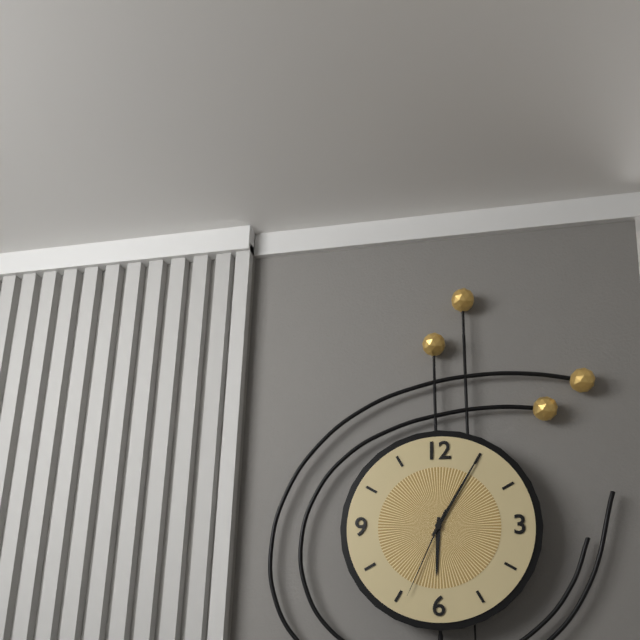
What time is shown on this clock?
6:05:34
